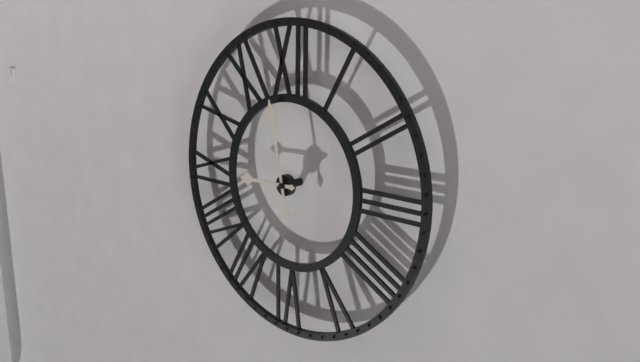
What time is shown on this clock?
8:58
